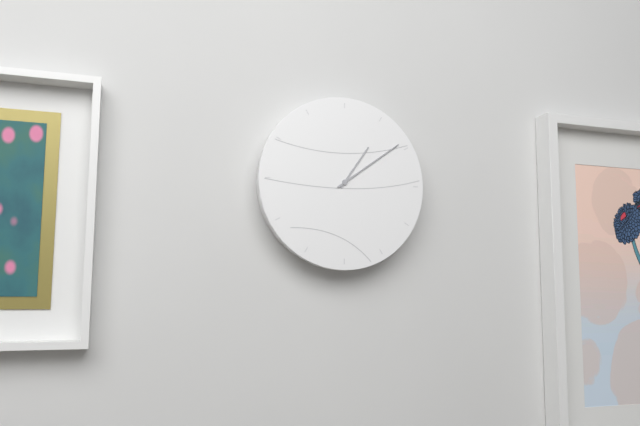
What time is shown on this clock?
1:09
